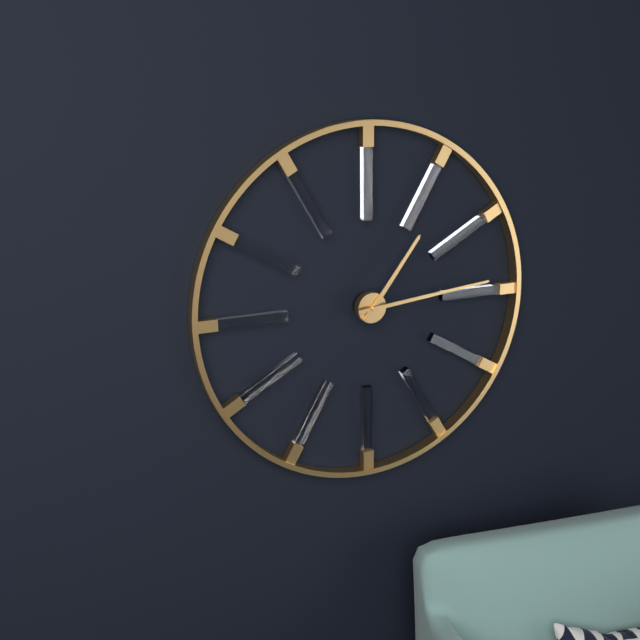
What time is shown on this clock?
1:14
